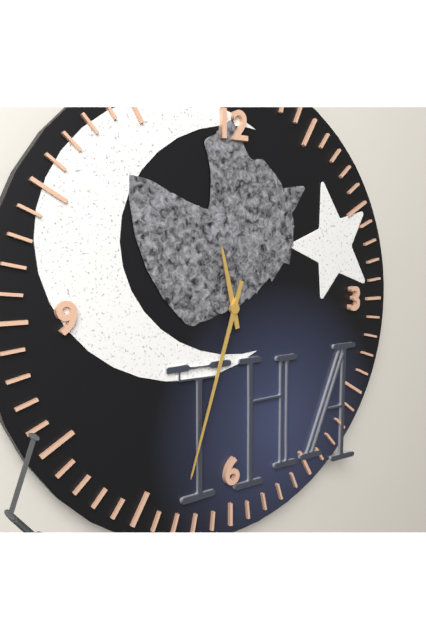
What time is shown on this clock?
11:33
